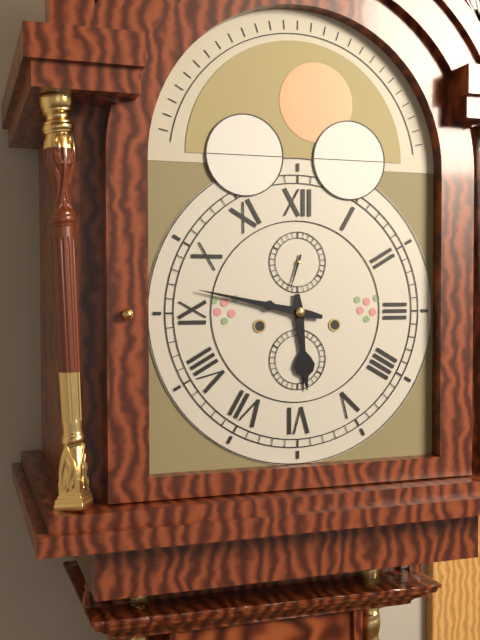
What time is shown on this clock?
5:47
